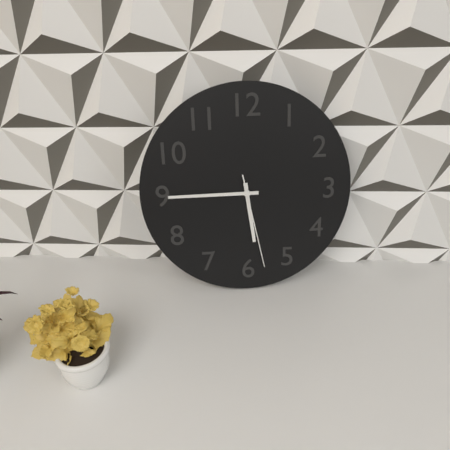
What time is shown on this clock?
5:45:28
